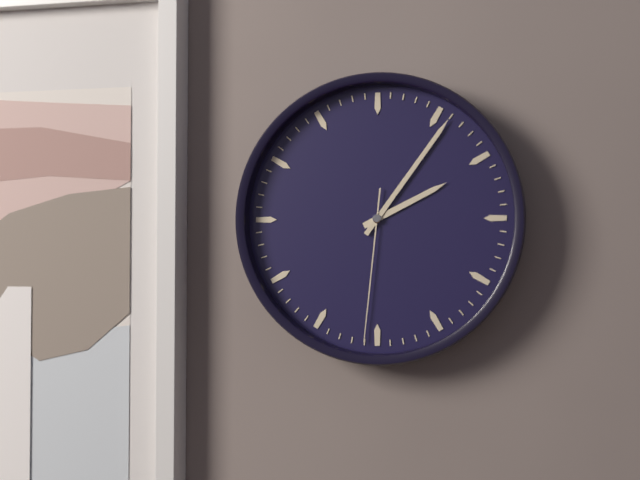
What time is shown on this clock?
2:06:31
